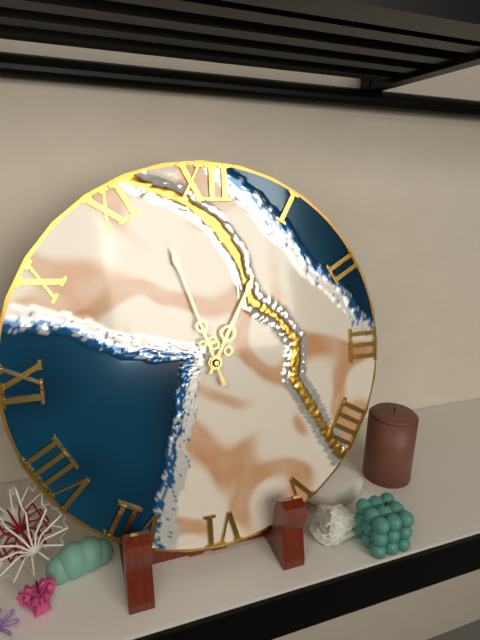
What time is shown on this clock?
12:57
